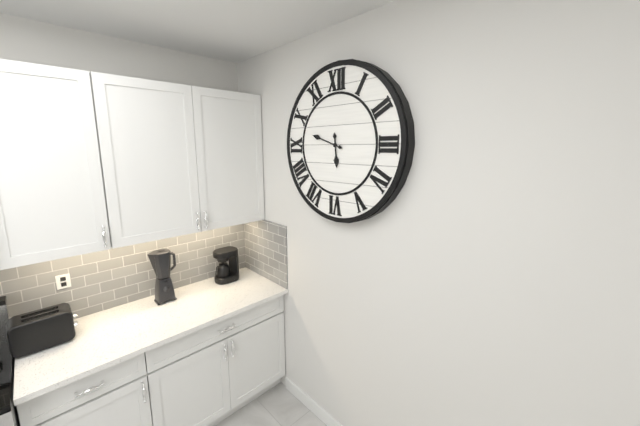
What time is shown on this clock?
5:48
